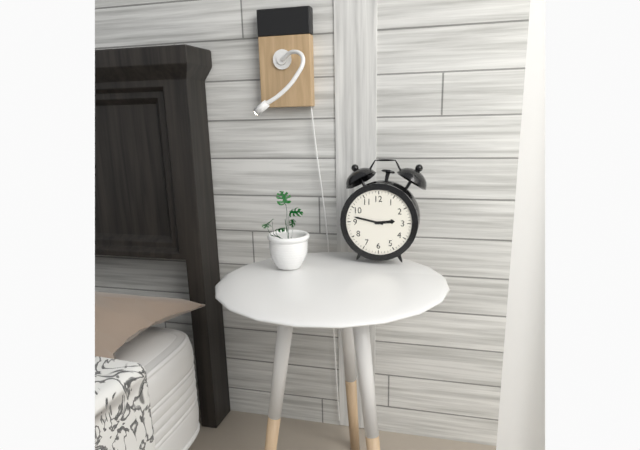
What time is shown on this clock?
2:47
